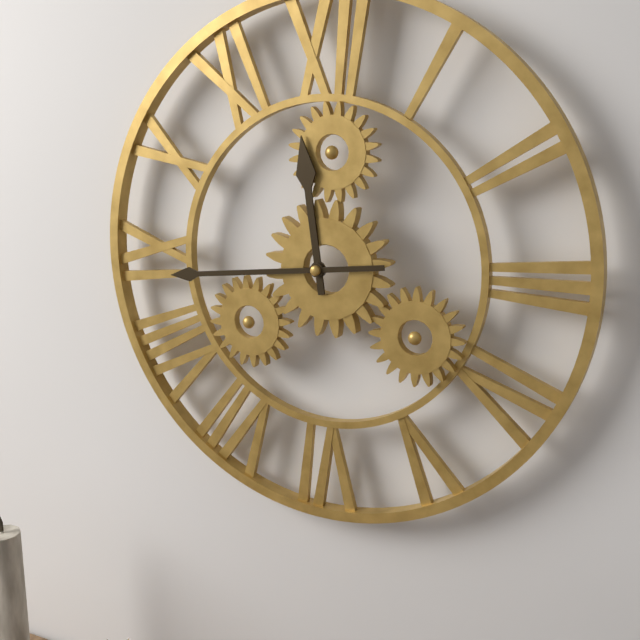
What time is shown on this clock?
11:44
